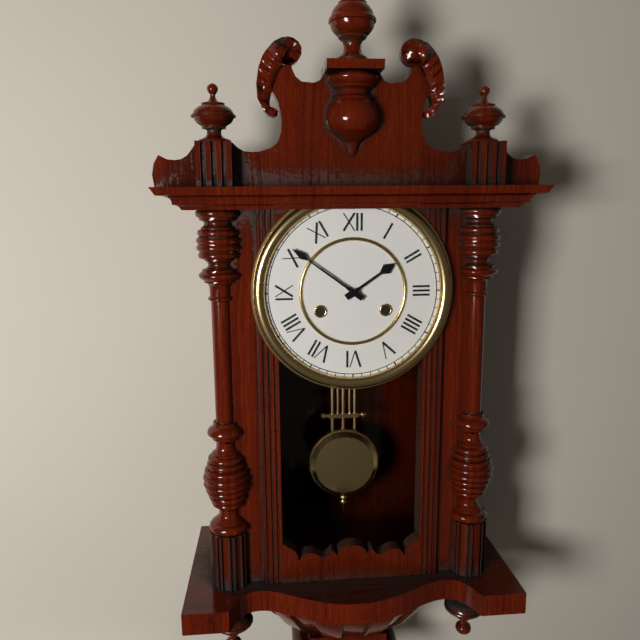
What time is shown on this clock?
1:51
